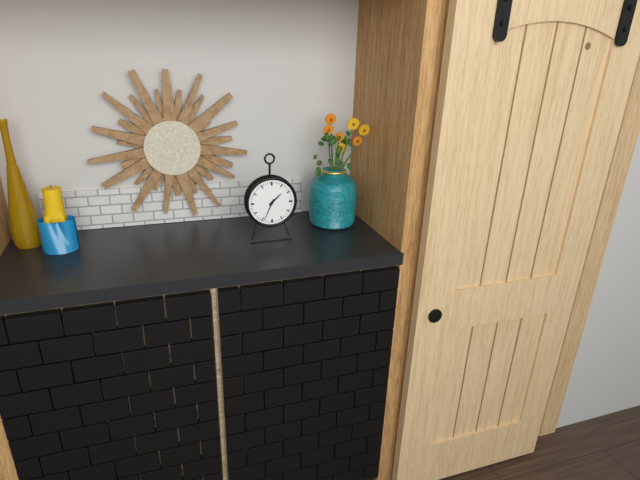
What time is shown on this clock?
1:34
